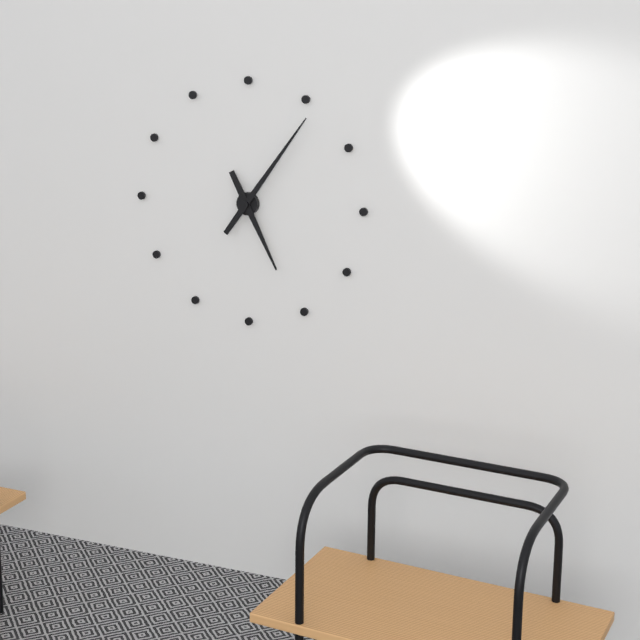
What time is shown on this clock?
5:06
